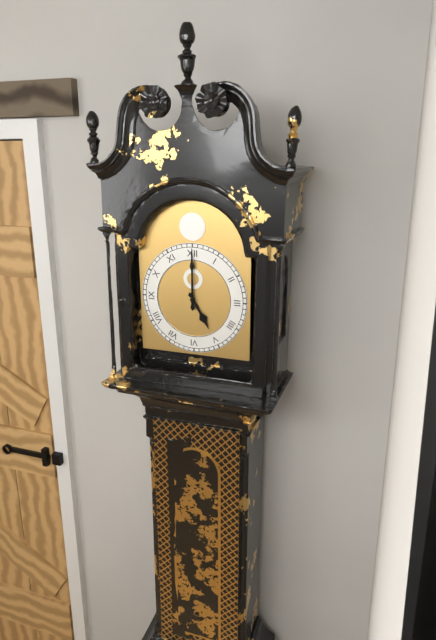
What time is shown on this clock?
5:00
